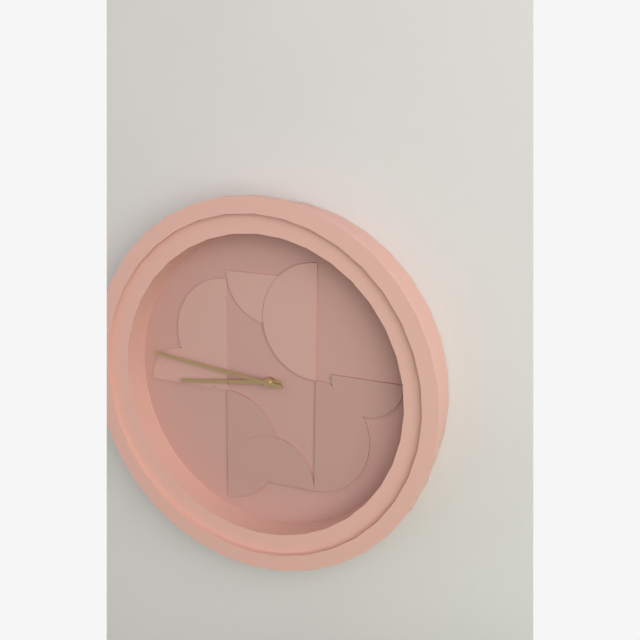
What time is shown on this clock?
8:46
